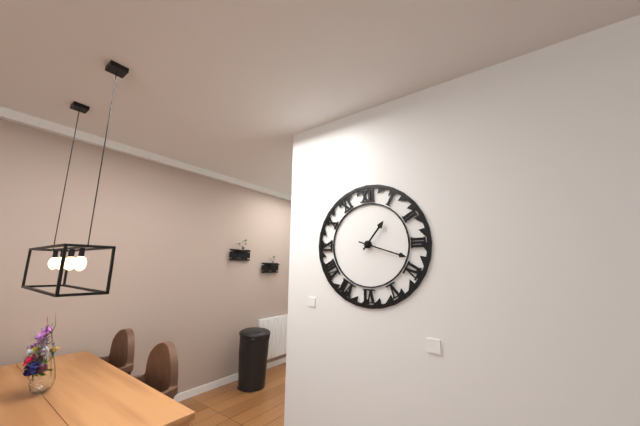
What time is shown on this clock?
1:18
